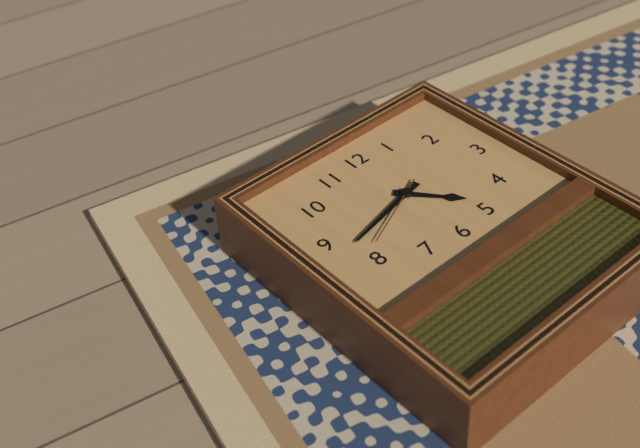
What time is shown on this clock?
4:43:41
